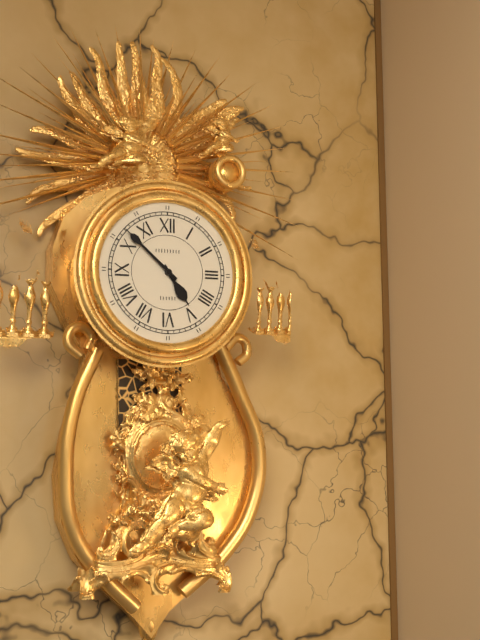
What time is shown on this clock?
4:52
